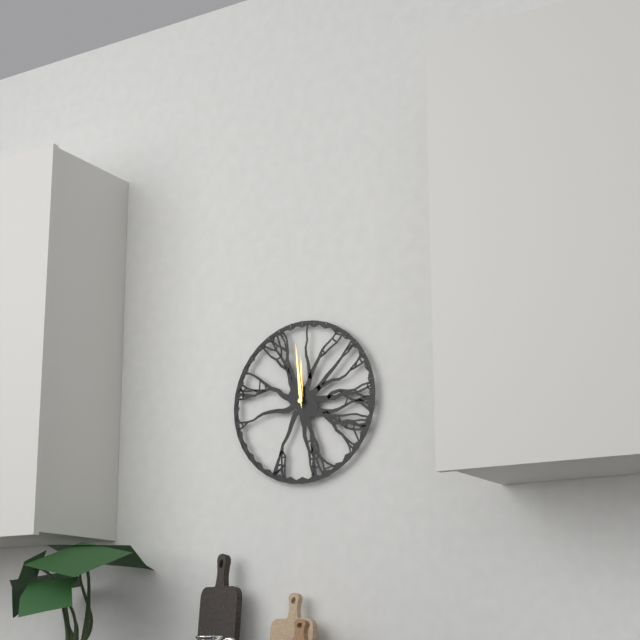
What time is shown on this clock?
11:59
